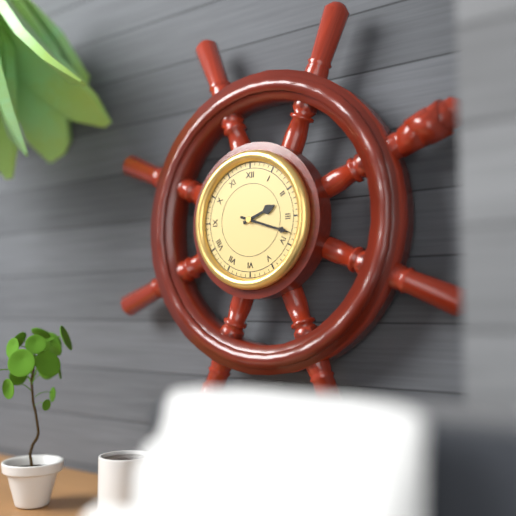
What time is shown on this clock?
2:18
